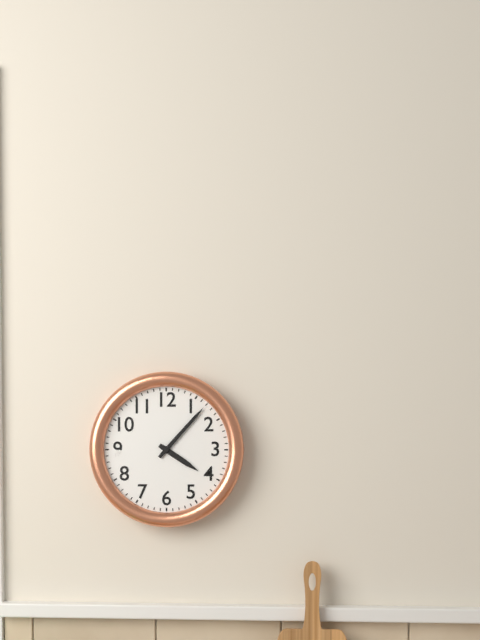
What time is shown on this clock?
4:07
